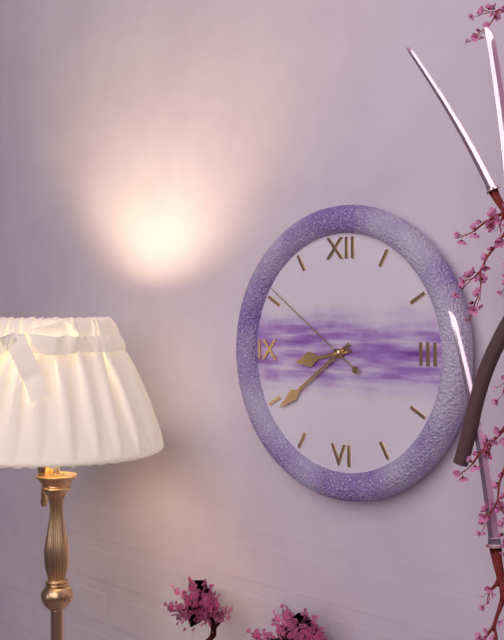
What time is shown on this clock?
8:39:51
